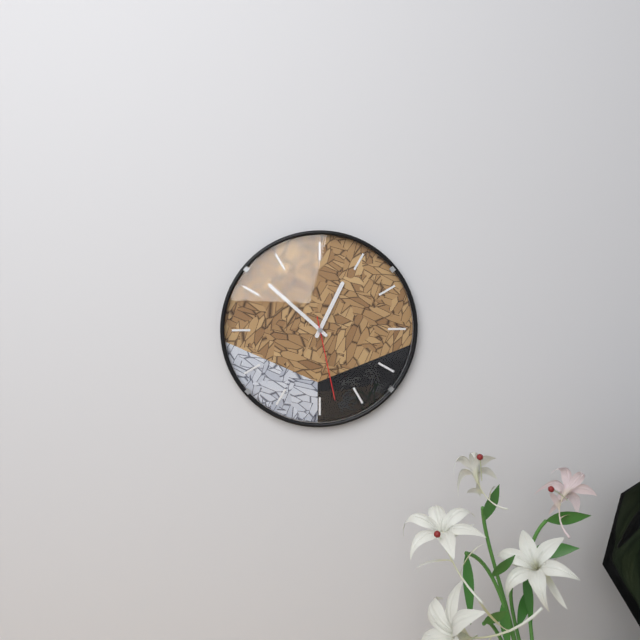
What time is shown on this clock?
12:52:28
